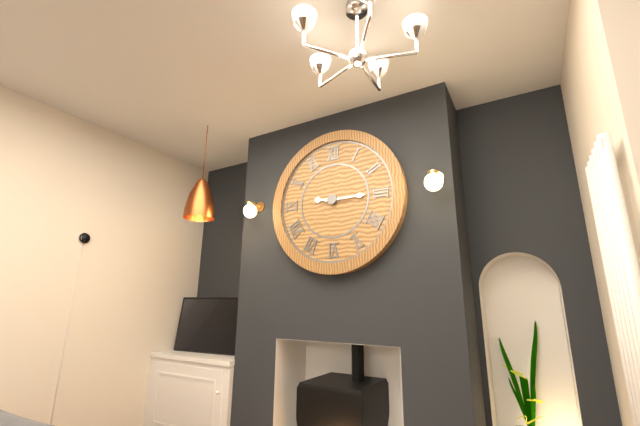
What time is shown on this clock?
9:15
